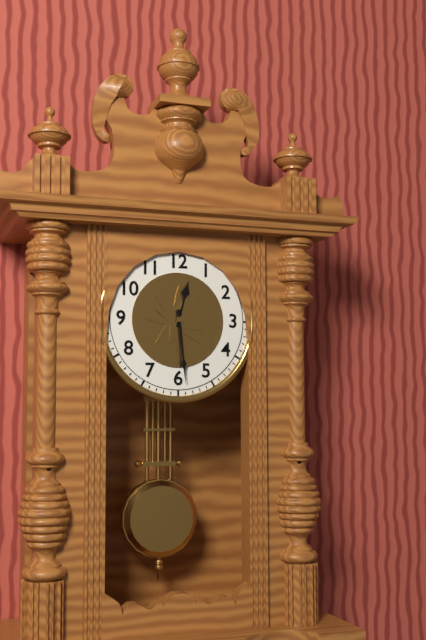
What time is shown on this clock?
12:29
